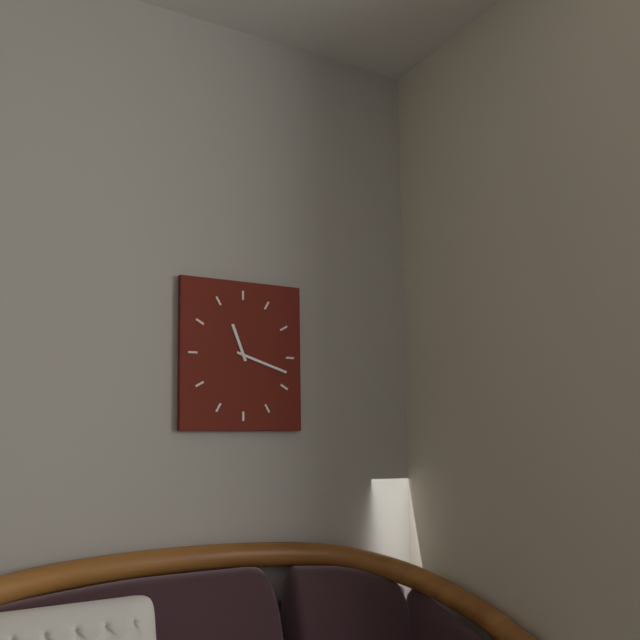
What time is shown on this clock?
11:18
